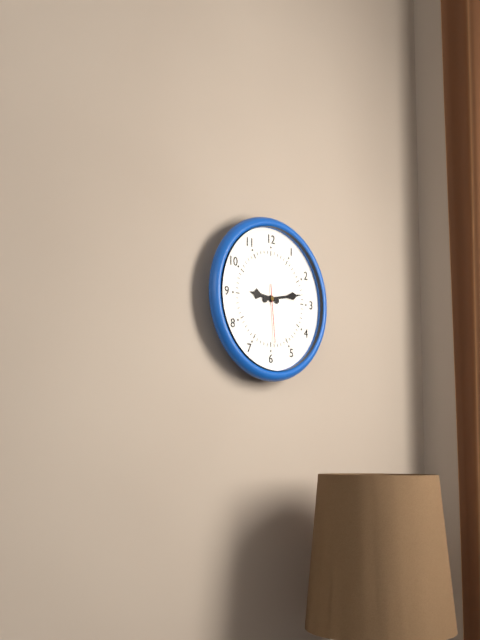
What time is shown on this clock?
9:13:29
